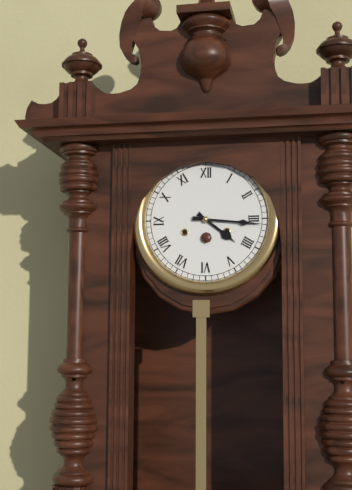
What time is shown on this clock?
4:16
